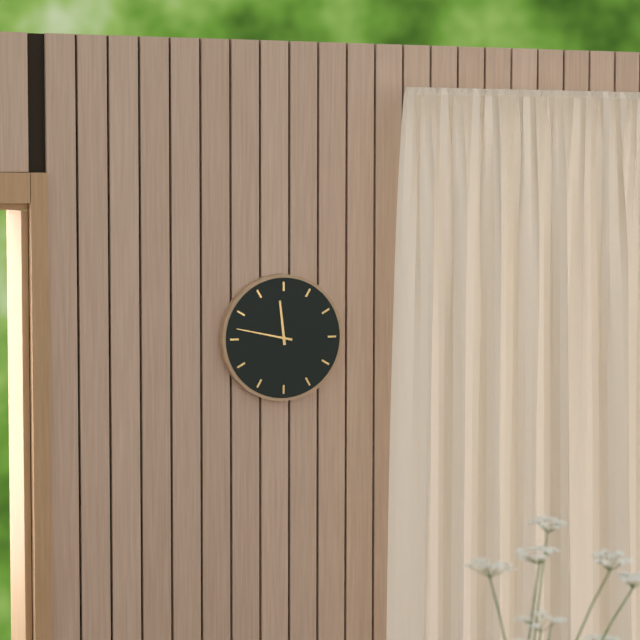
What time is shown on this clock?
11:47
